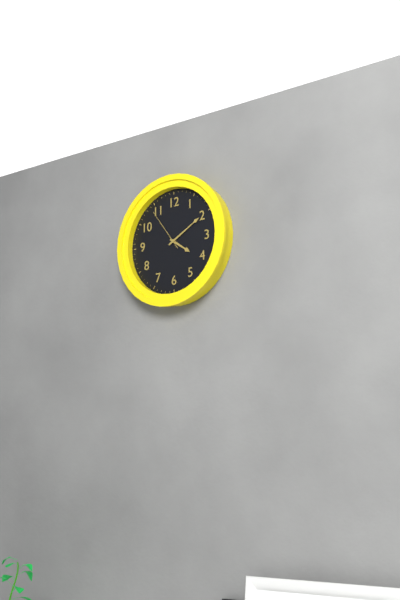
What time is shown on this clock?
4:10
